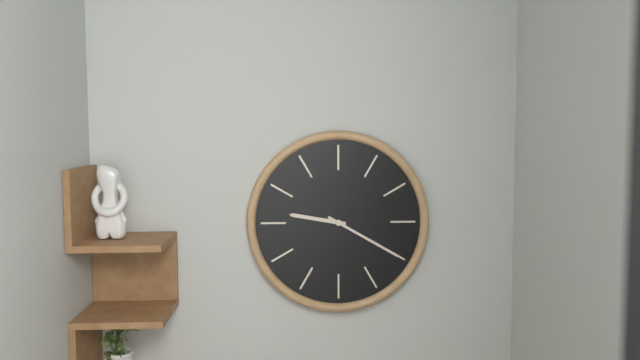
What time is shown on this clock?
9:20
